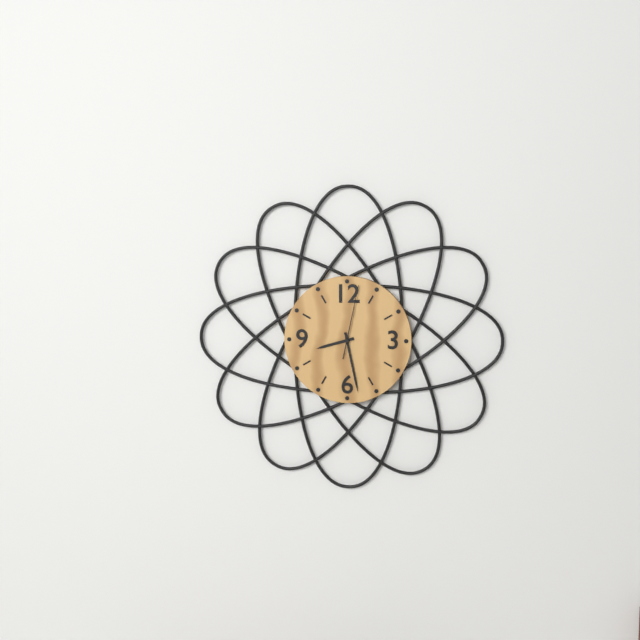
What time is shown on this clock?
8:28:02
